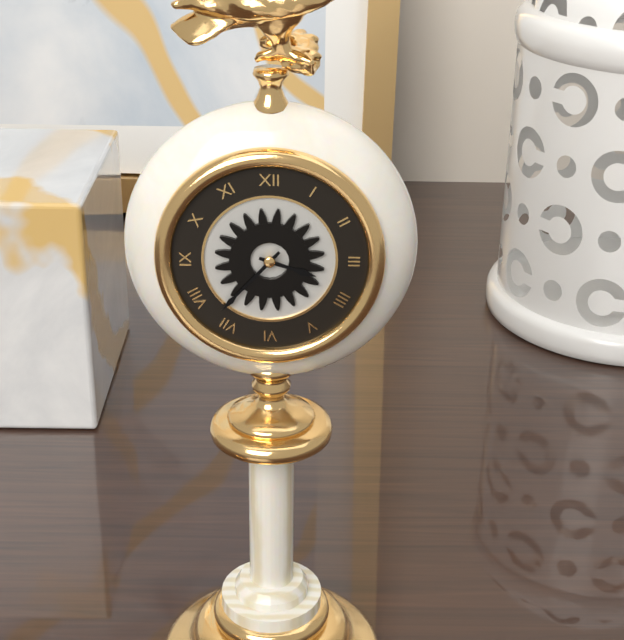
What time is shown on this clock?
3:37
